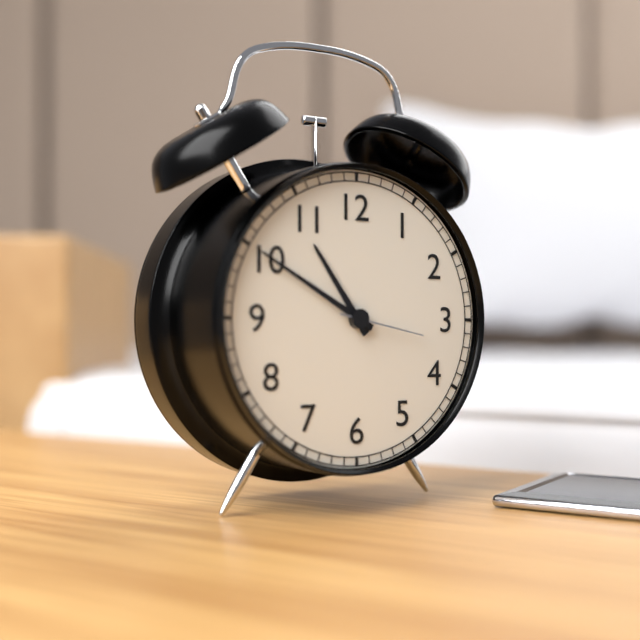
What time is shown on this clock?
10:50:17
